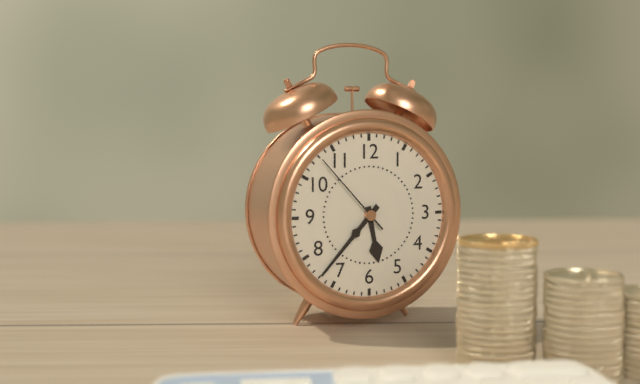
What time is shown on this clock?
5:37:53
